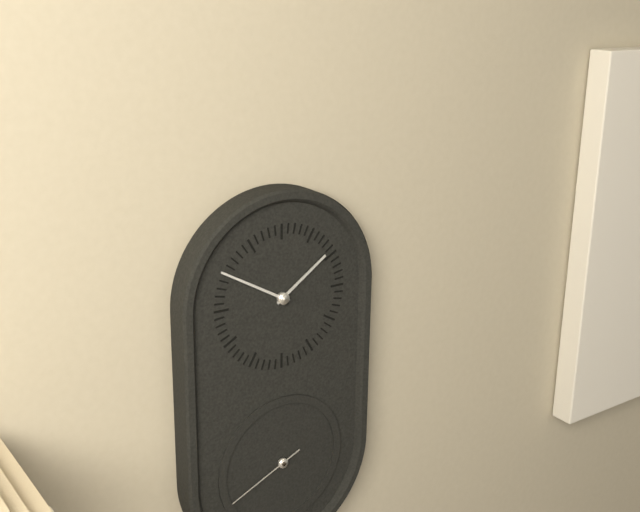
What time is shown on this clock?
1:50:41
